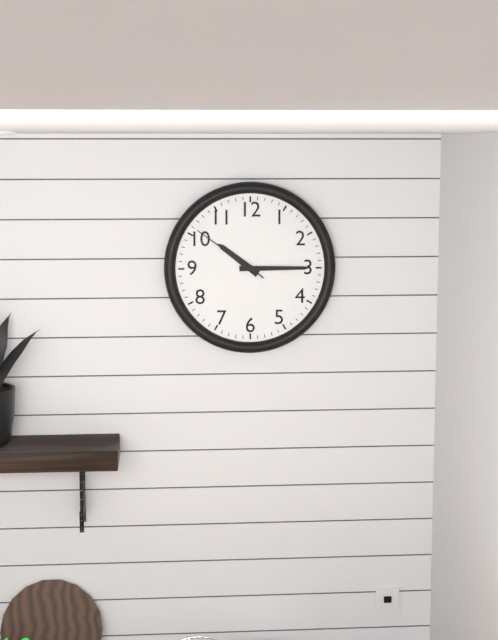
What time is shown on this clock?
10:15:51
